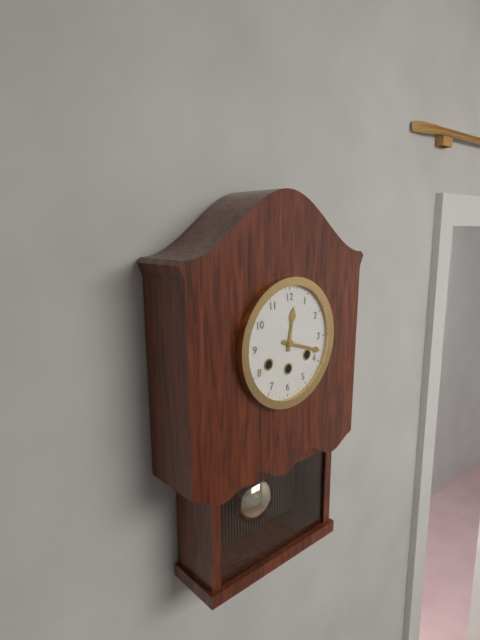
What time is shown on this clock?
12:18
